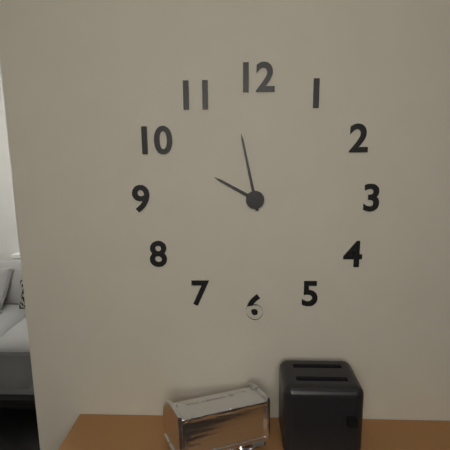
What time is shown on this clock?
9:58
